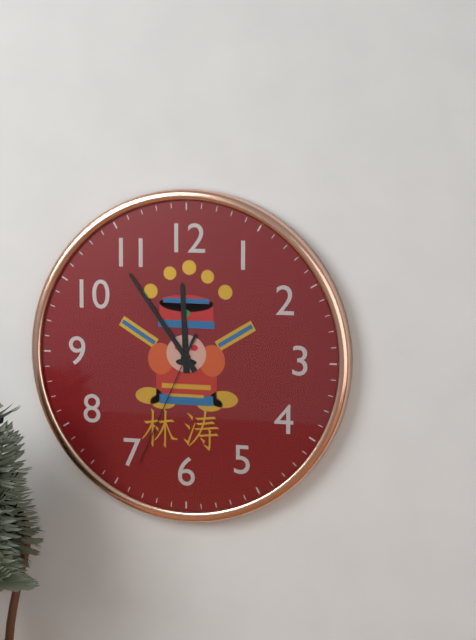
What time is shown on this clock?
11:54:34
